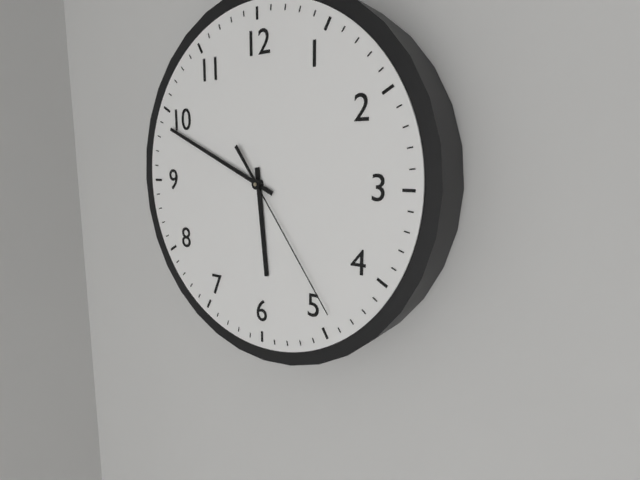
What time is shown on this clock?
5:49:24
